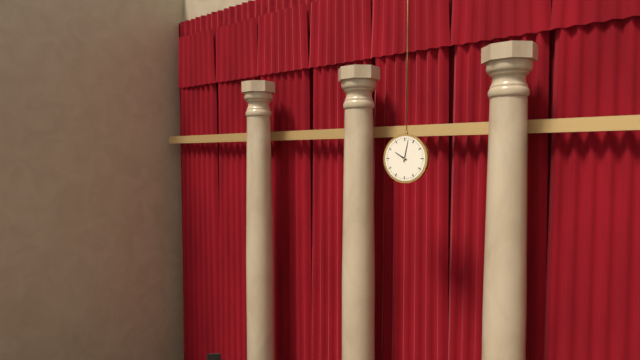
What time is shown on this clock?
10:02
